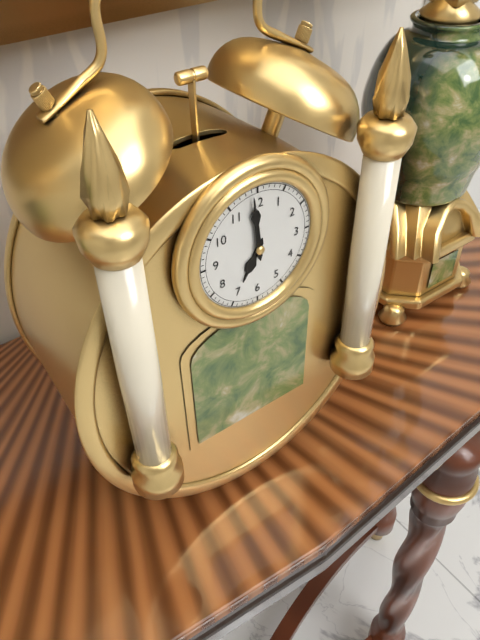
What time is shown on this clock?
6:59
